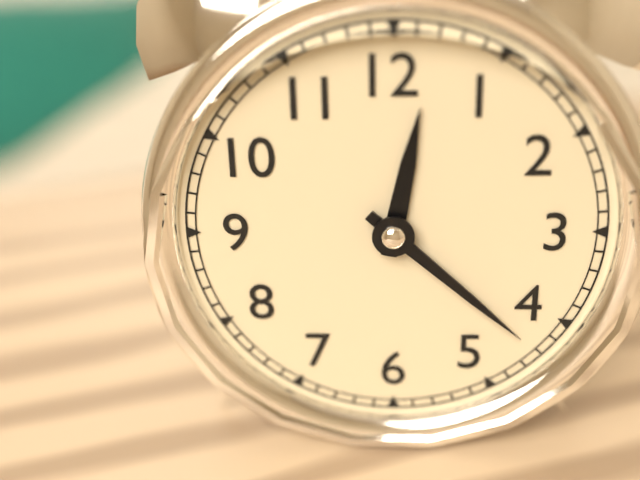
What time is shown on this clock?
12:22
